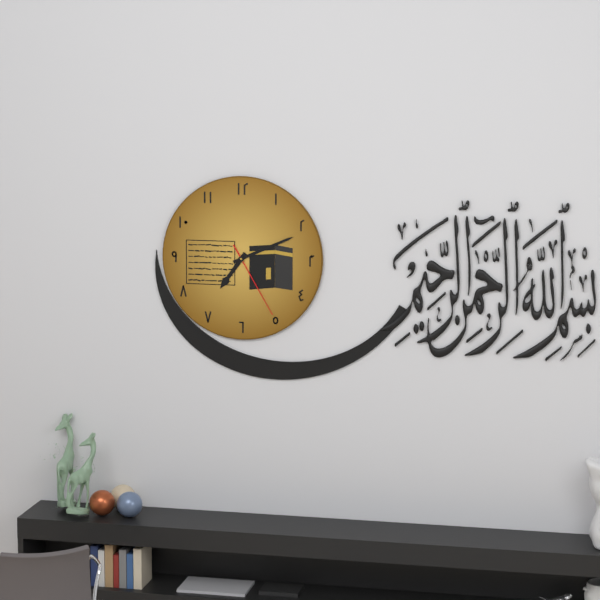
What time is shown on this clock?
7:11:25
